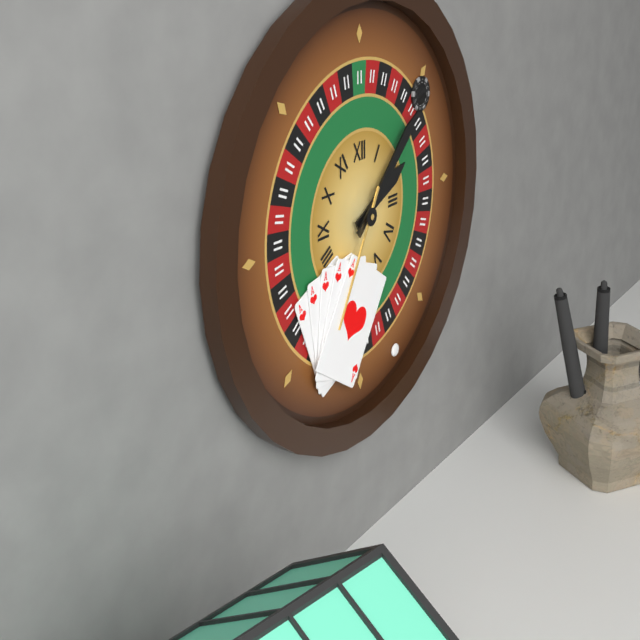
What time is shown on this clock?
2:08:35
